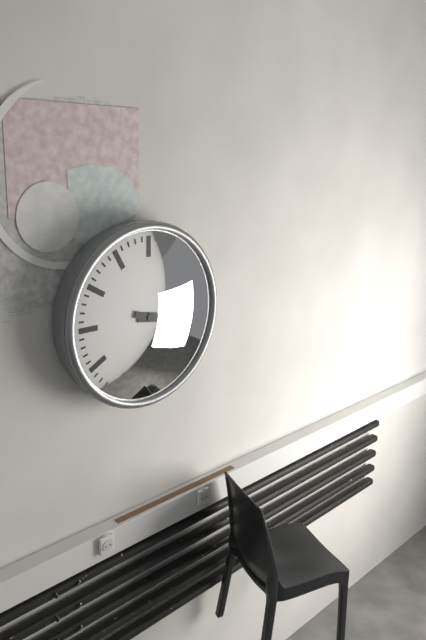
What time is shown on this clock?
3:18
